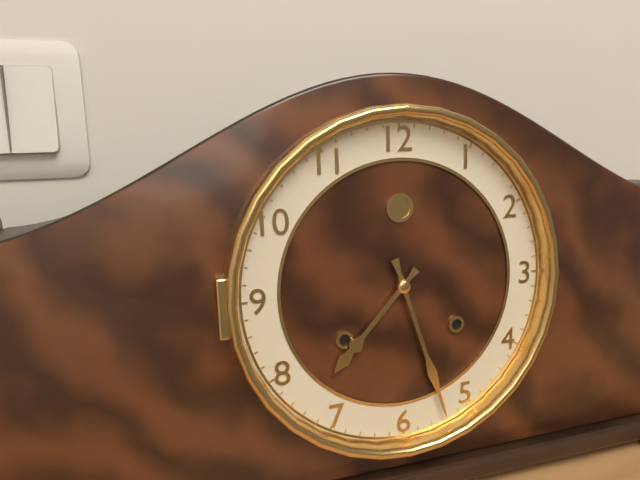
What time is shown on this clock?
7:27
